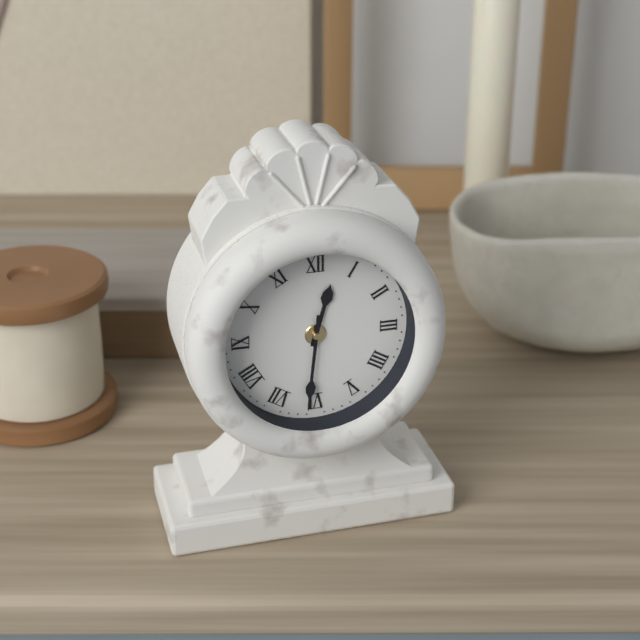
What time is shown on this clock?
12:31
